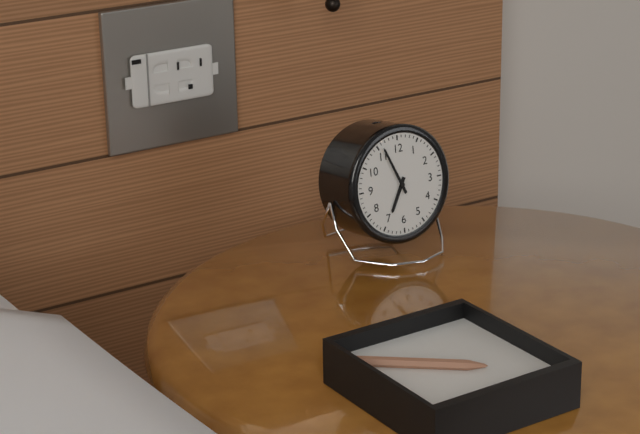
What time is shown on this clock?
6:56
